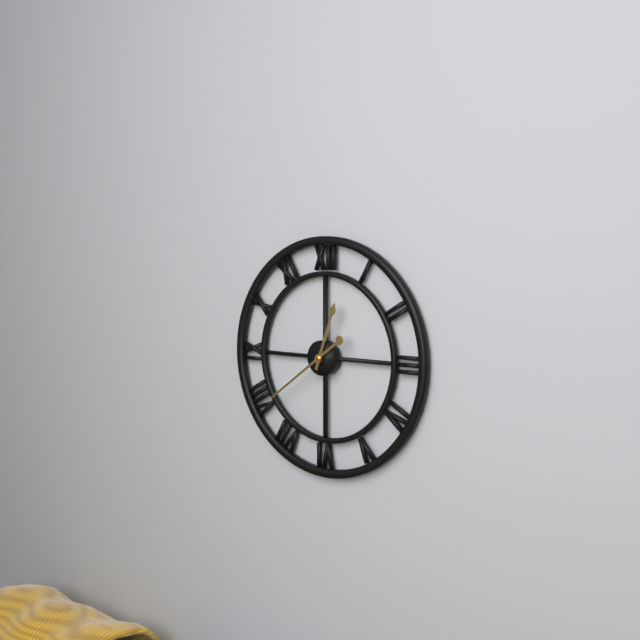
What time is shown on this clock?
12:39
